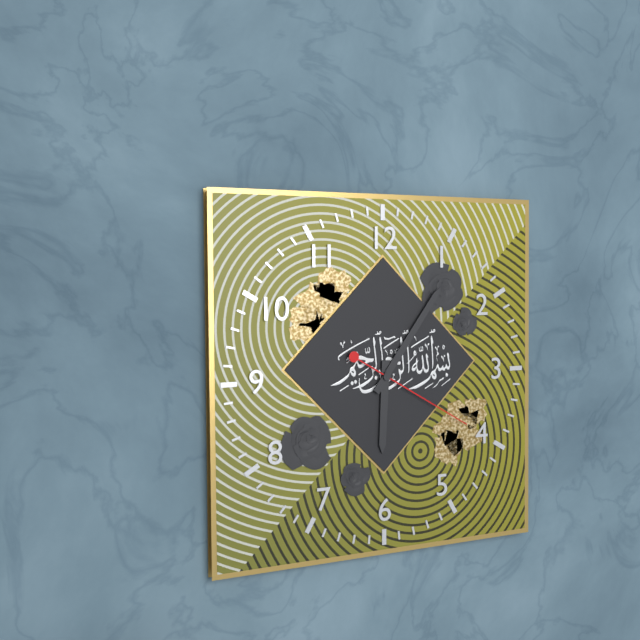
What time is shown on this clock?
6:06:20
